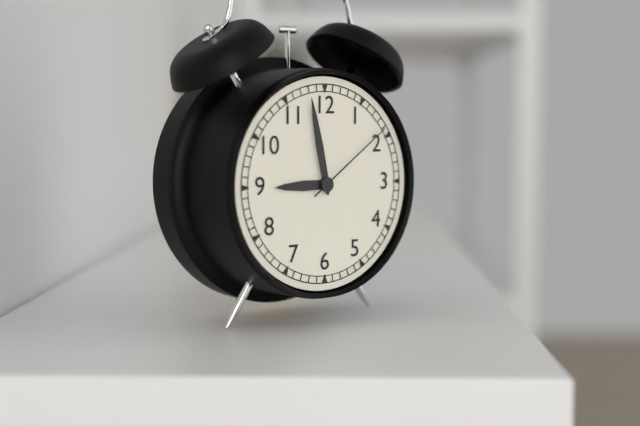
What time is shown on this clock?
8:58:09
